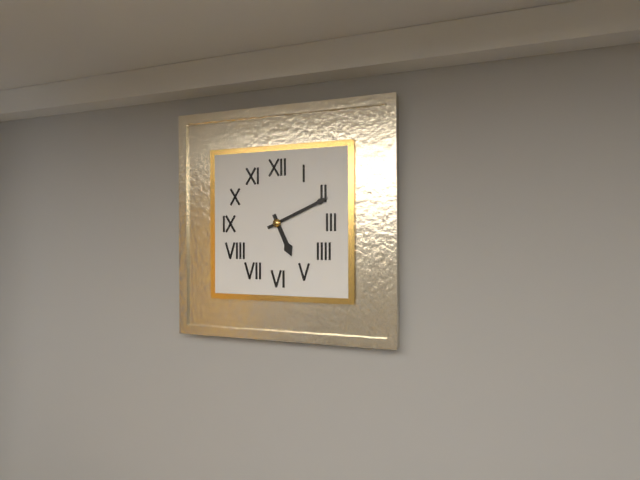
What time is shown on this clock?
5:11
